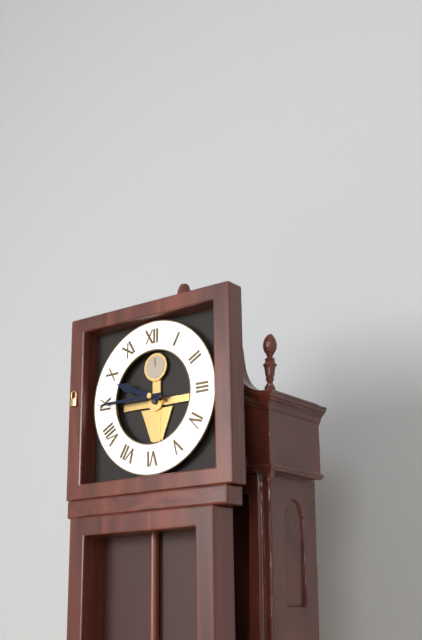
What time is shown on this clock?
9:45
